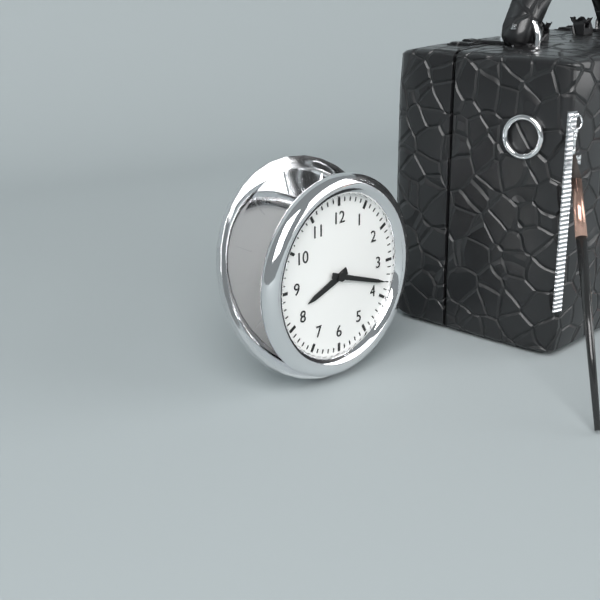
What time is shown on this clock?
8:18
